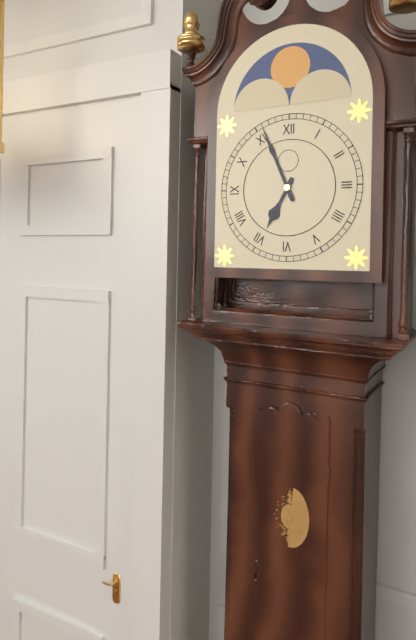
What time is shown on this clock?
6:56
